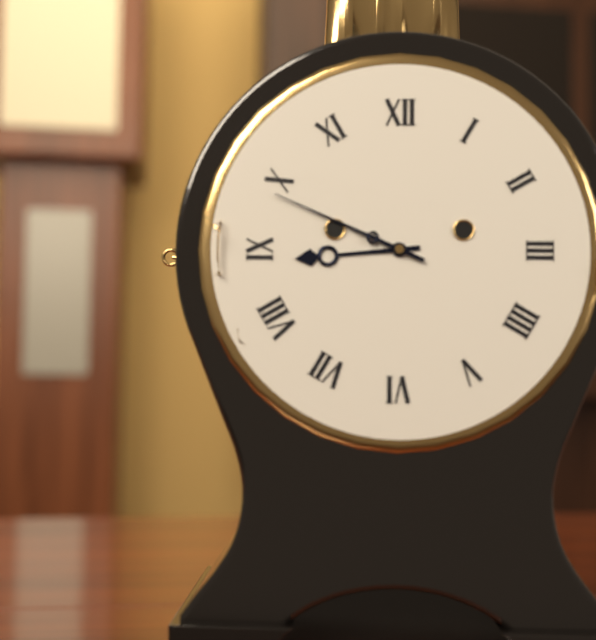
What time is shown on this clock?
8:49
